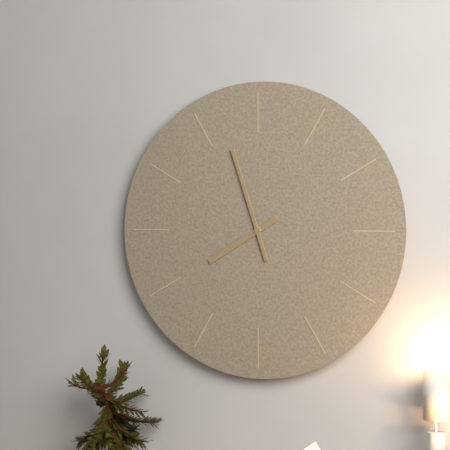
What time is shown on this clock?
7:57
